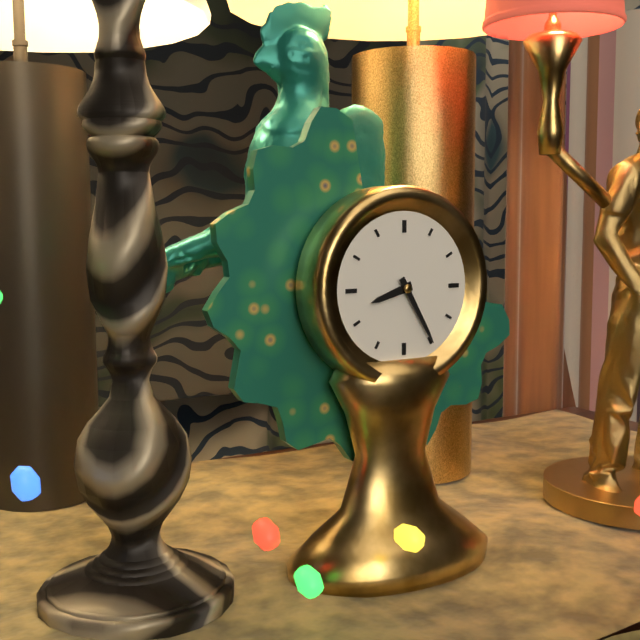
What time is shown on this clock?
8:25
